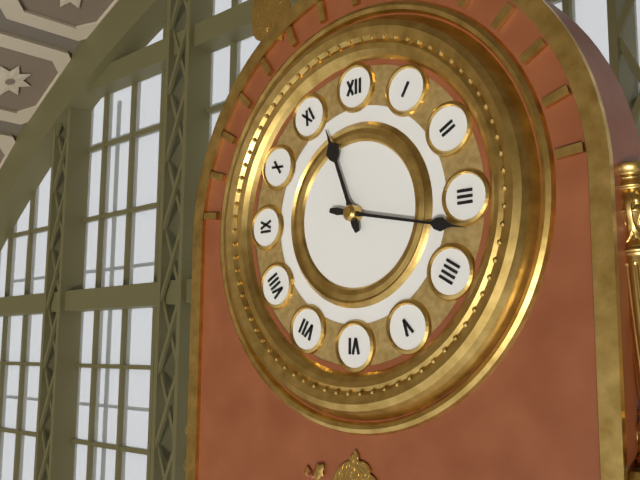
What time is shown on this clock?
11:17
